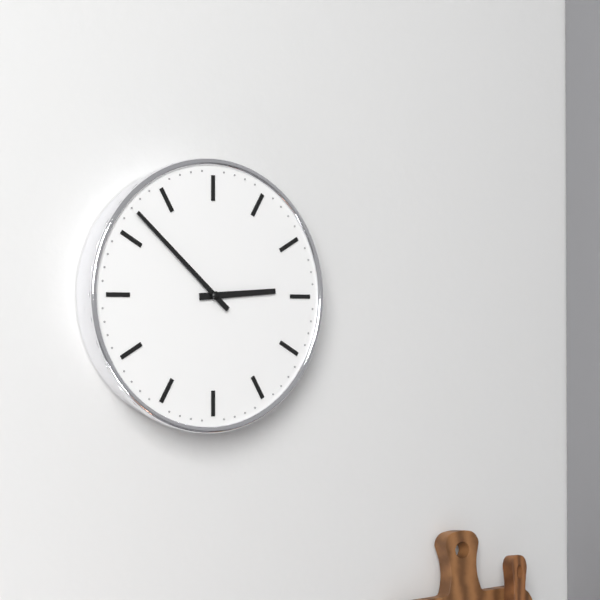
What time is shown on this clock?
2:52
